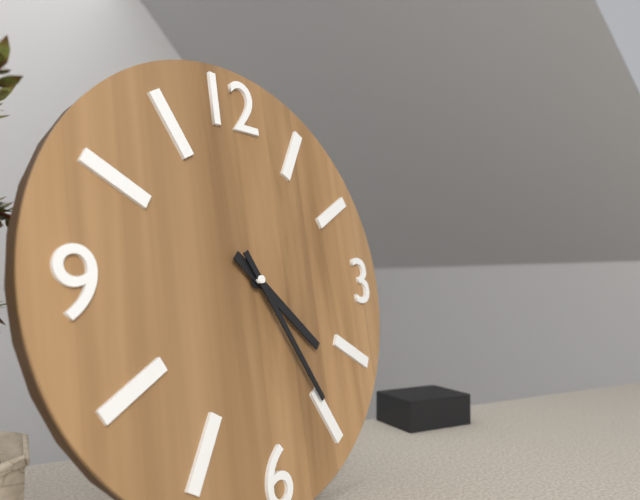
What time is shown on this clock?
4:25
